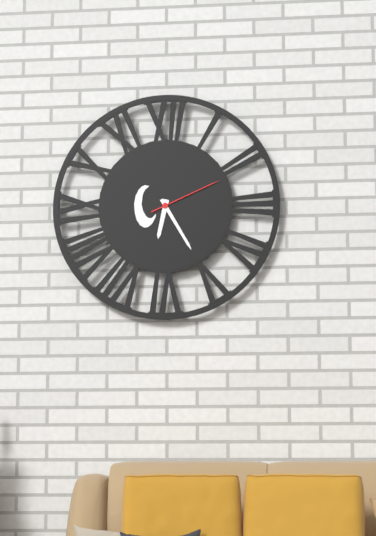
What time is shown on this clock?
6:25:11
